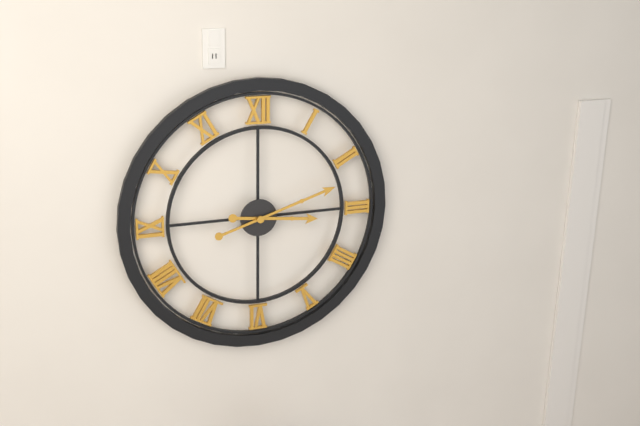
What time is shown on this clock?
3:12
